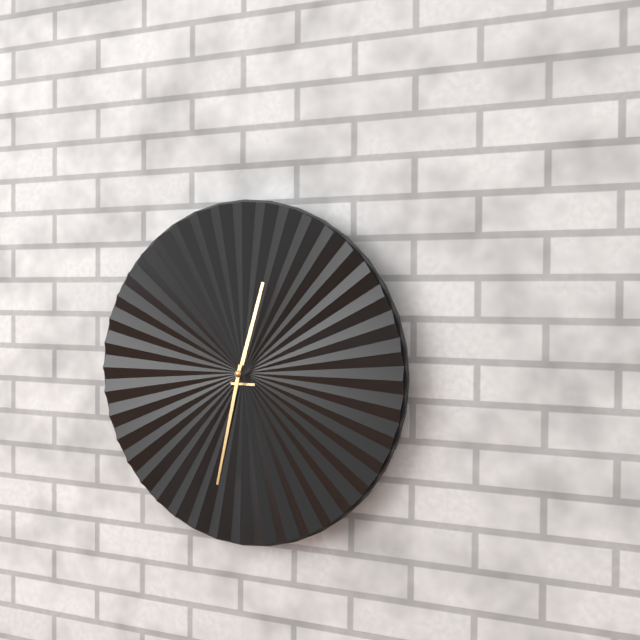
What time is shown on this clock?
12:32
